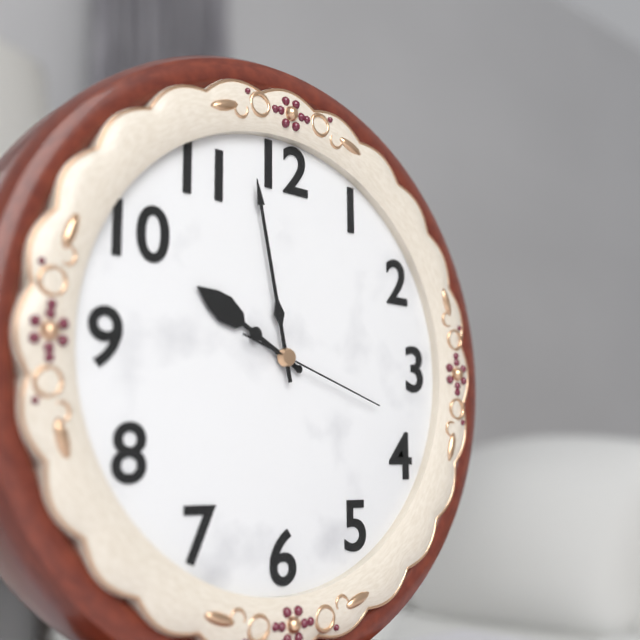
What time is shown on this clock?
9:58:18
